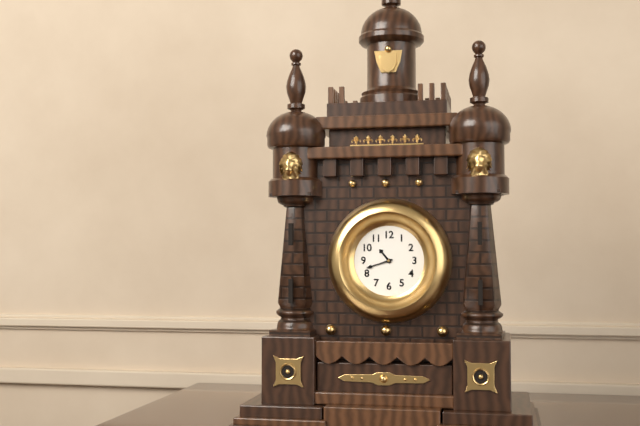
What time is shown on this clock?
10:42
